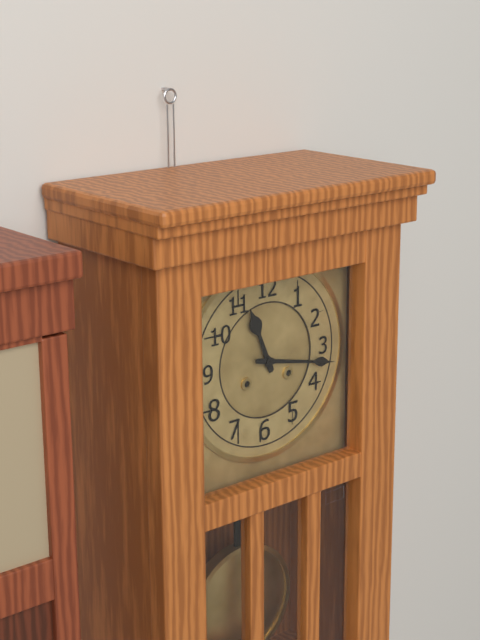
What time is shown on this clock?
11:17
